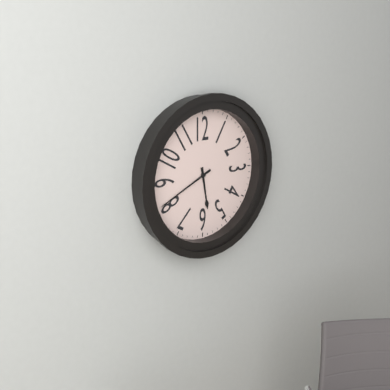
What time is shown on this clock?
5:41
